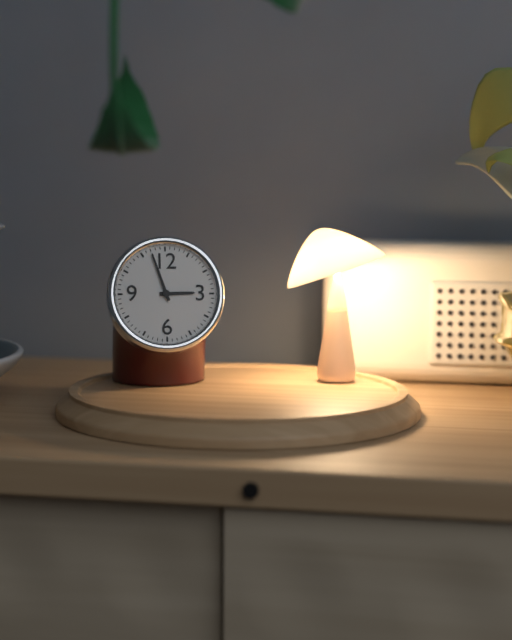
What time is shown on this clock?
2:57
